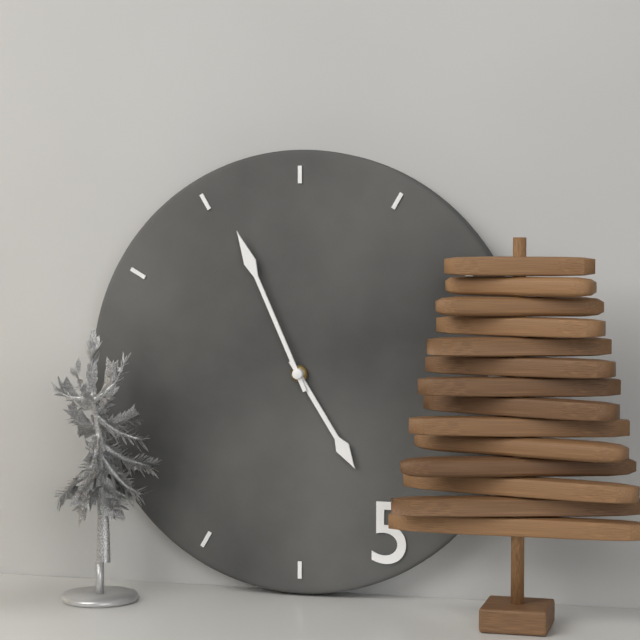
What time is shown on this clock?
4:56
